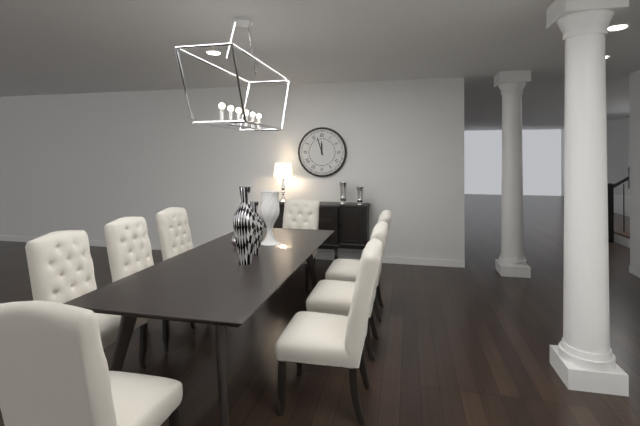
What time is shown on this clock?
11:57
